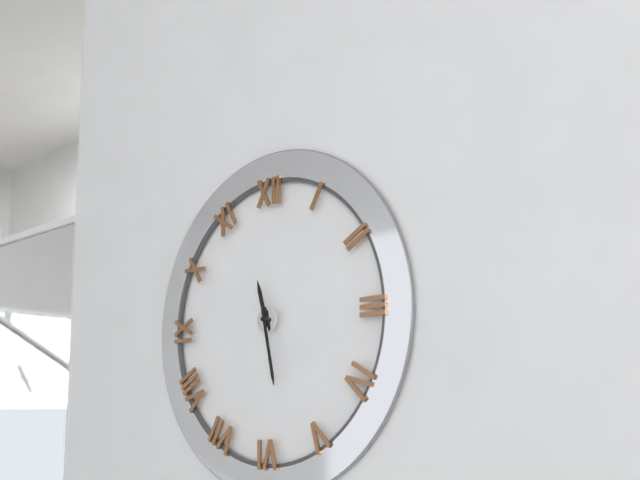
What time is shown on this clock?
11:28
